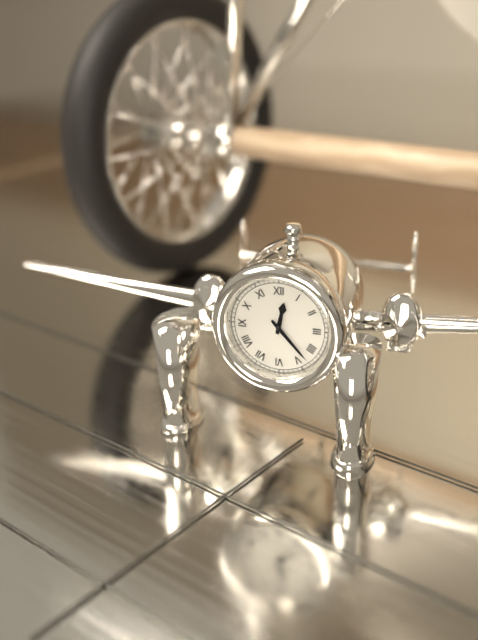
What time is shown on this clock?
12:23
